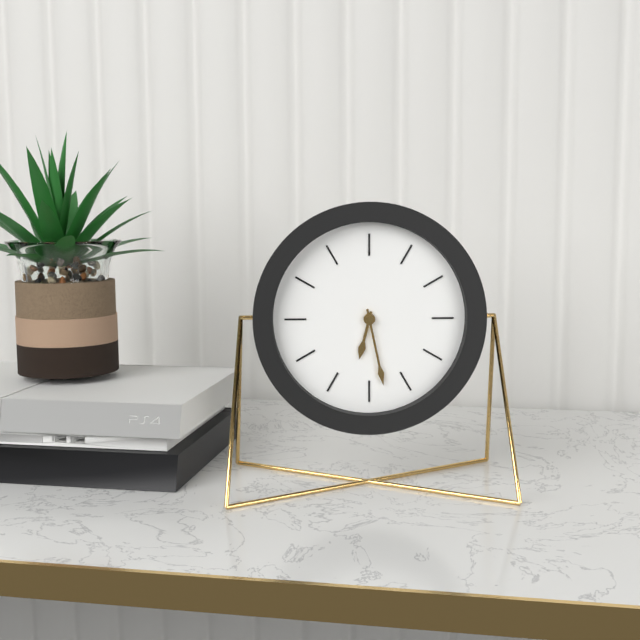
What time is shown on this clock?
6:28
